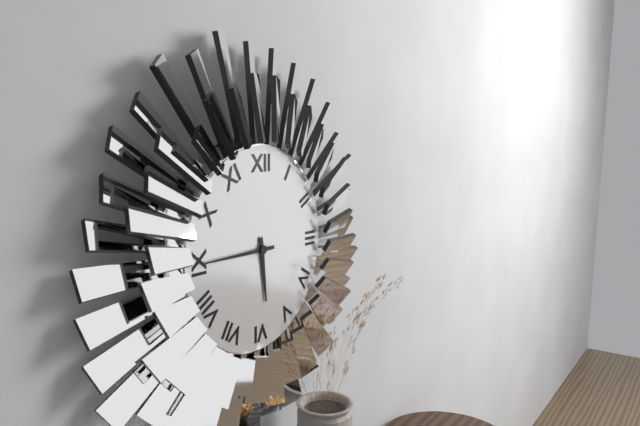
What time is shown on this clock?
5:45
